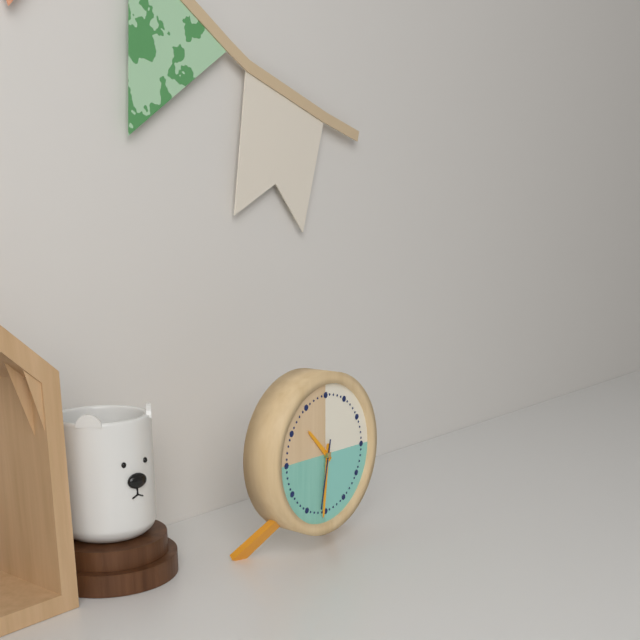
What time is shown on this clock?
10:31:32
